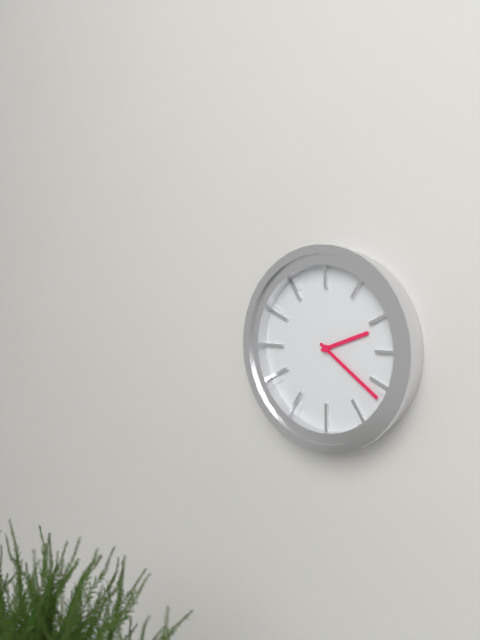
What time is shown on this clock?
2:21
